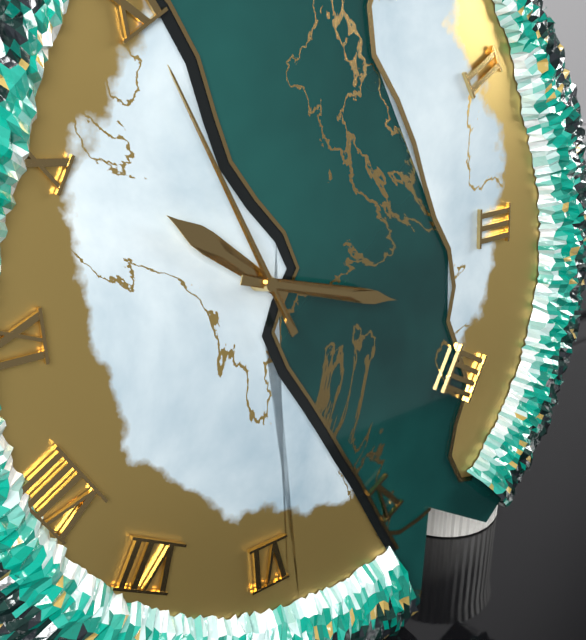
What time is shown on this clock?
10:18:56
